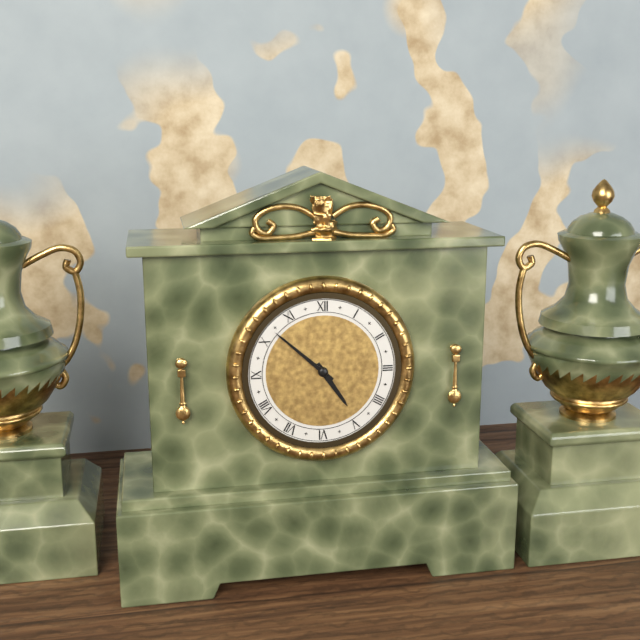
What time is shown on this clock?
4:52
